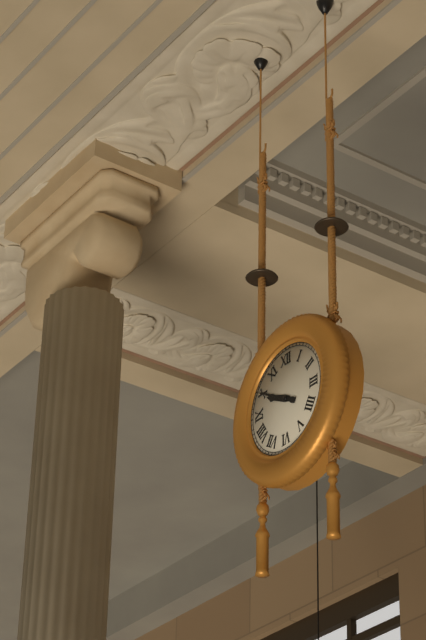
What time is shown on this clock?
9:50
